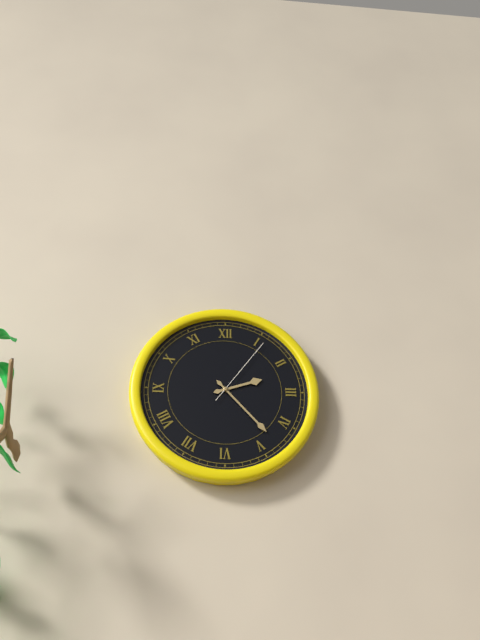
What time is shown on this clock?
2:23:06
